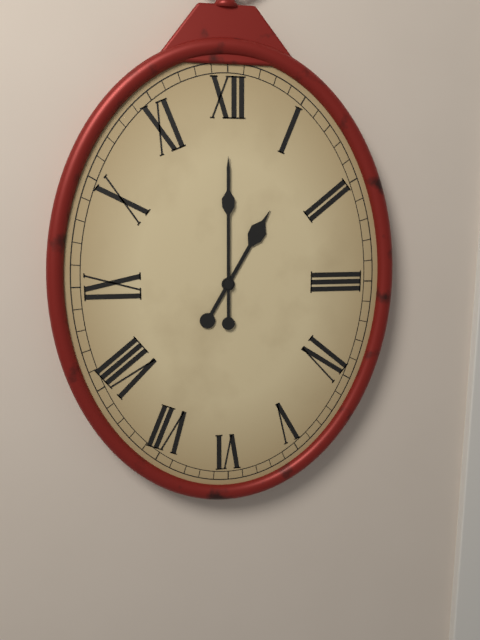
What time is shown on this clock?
1:00
